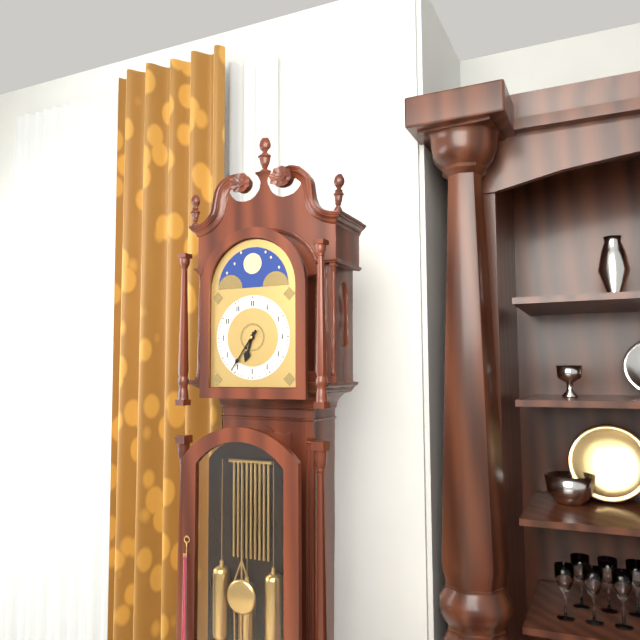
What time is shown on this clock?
6:36
